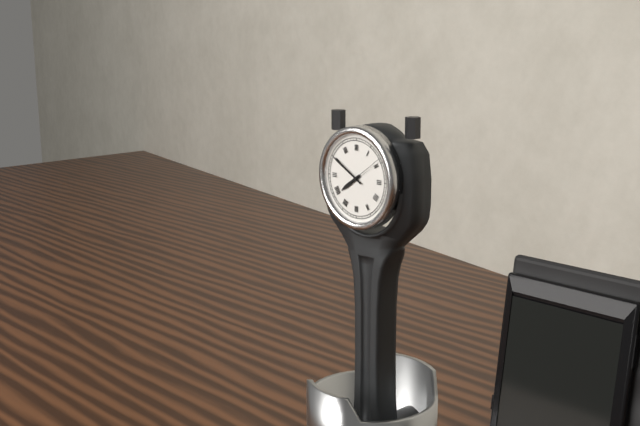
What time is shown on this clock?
7:50
